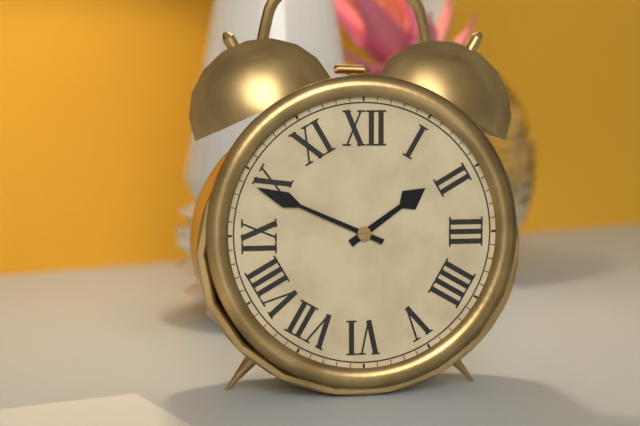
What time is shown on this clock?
1:49
